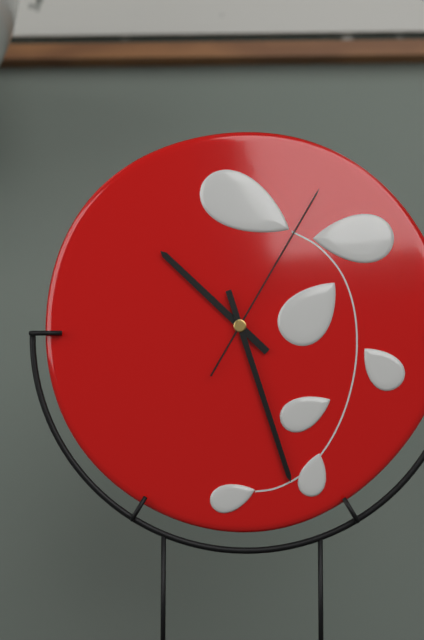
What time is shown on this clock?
10:27:05
